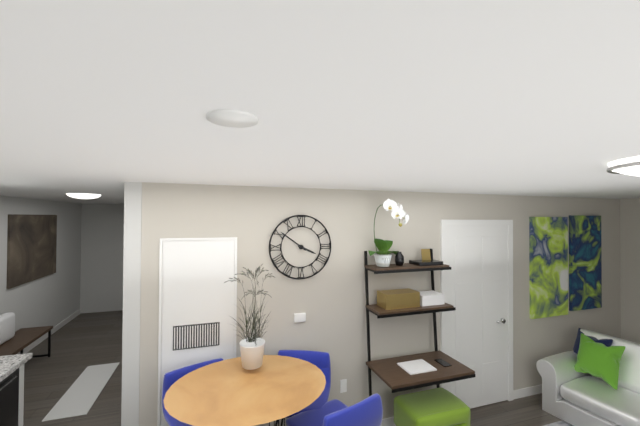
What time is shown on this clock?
3:51
